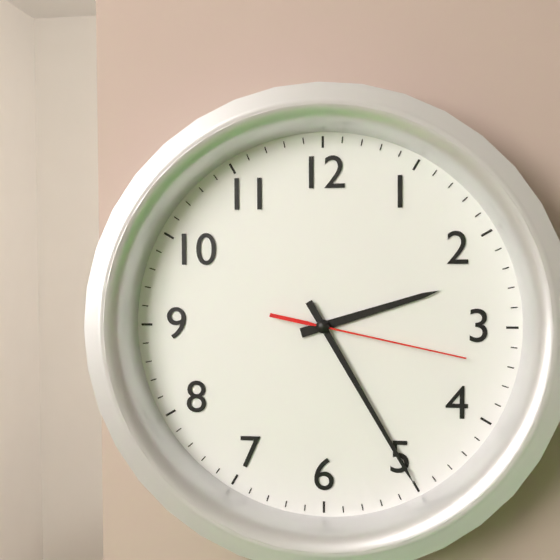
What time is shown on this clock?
2:25:17
